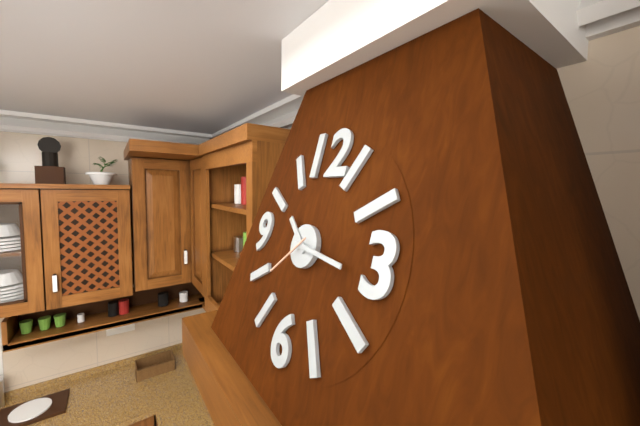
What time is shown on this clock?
10:16
